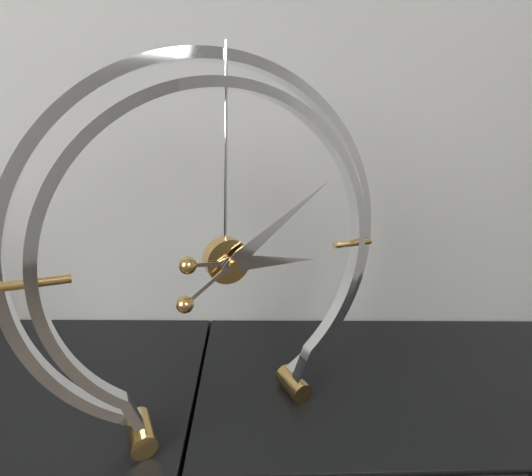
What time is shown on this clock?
3:09
